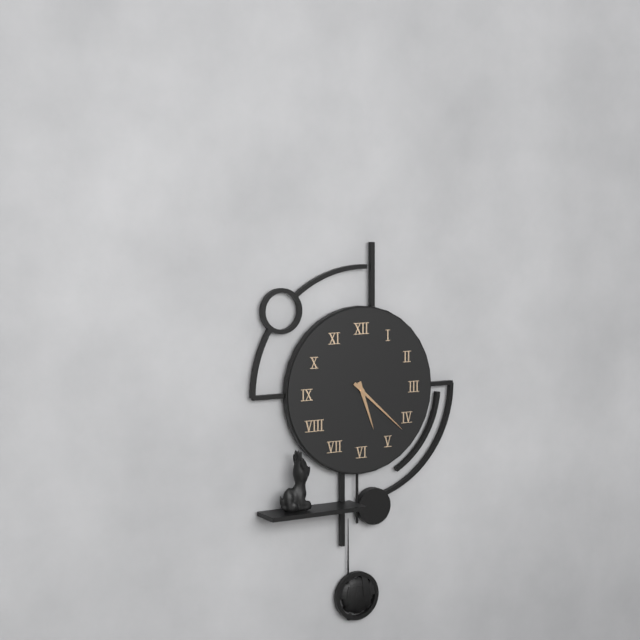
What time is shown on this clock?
5:22
